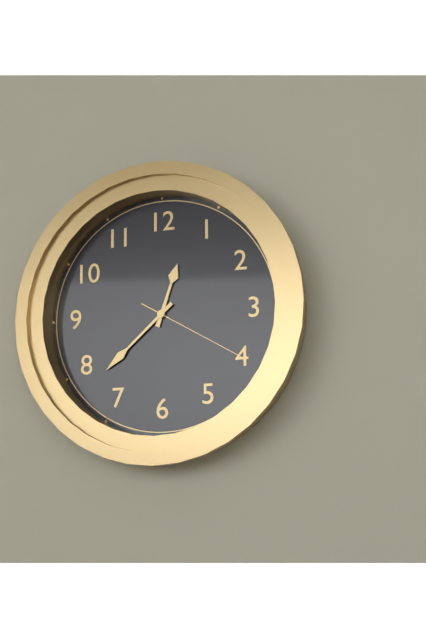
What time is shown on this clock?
12:38:20
